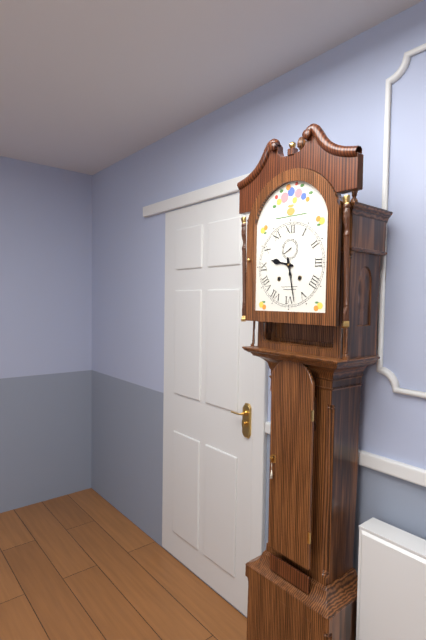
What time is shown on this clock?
9:28
